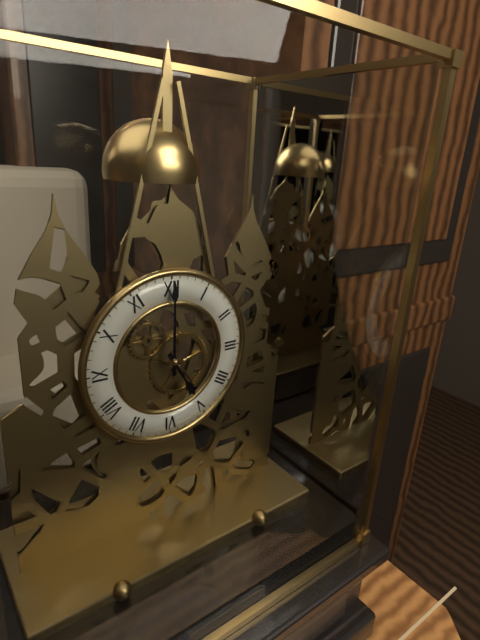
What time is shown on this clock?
5:00
